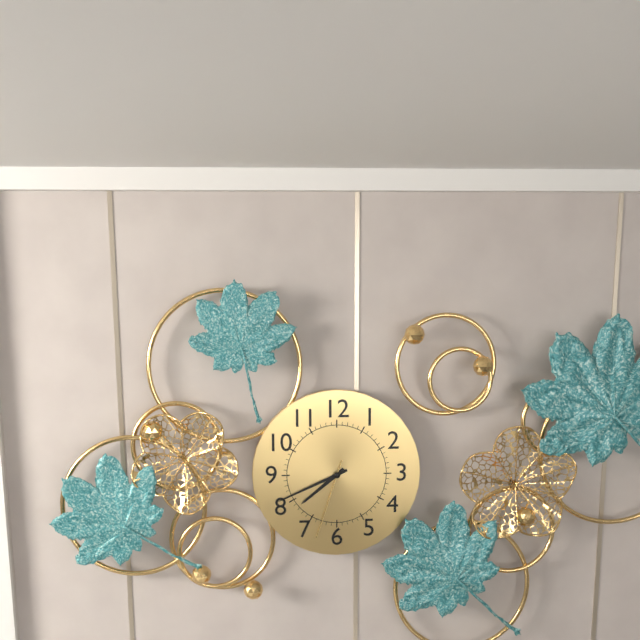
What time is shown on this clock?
7:41:33
